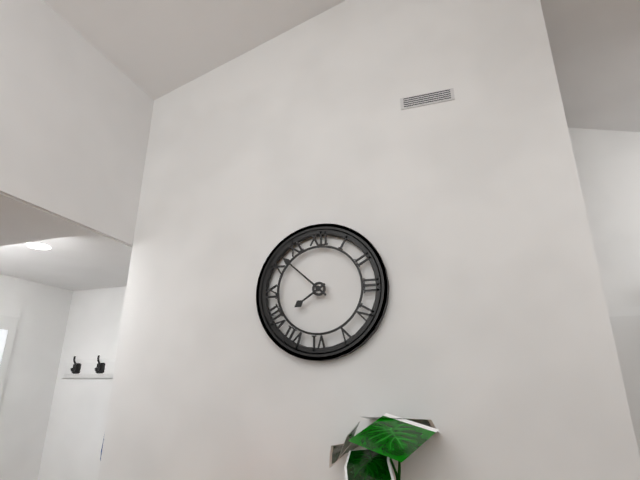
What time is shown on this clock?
7:52
